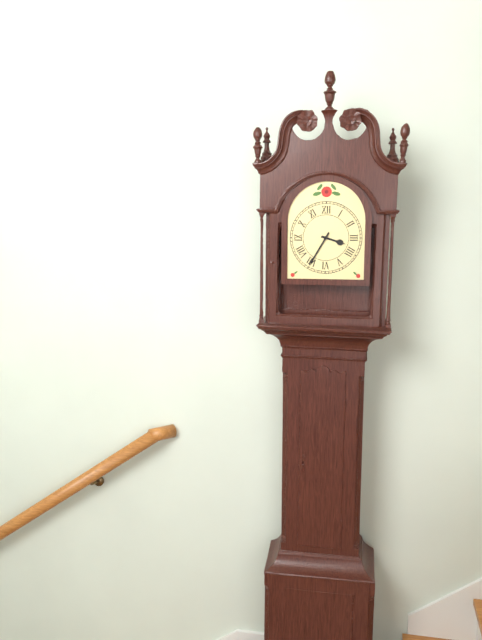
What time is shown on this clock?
3:35
